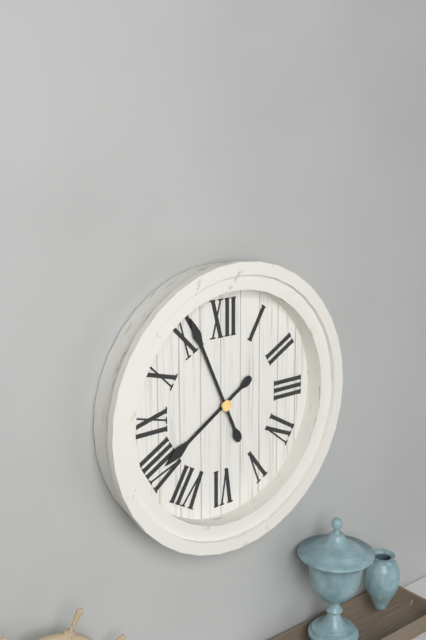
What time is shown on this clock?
7:56
